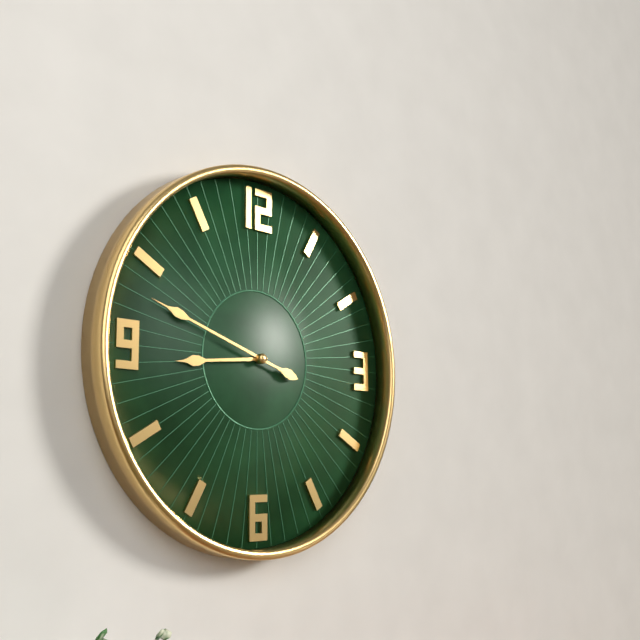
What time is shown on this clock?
8:48
